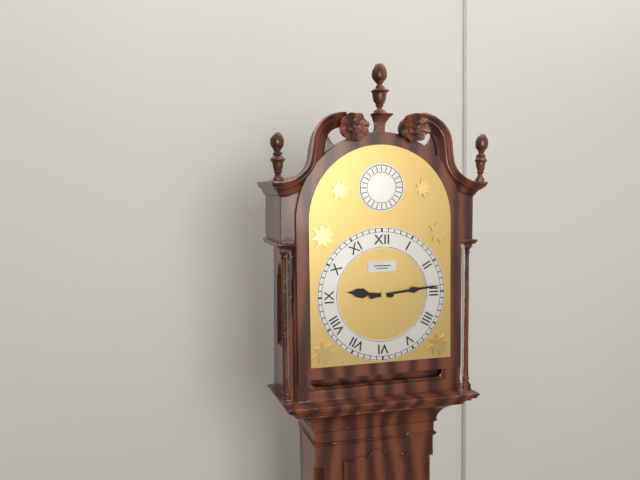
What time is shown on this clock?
9:14
